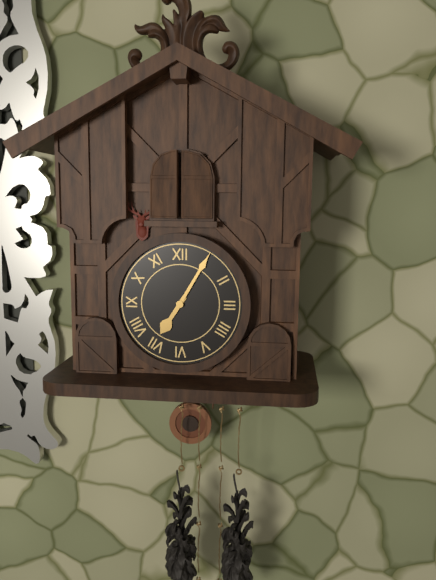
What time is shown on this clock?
7:05
